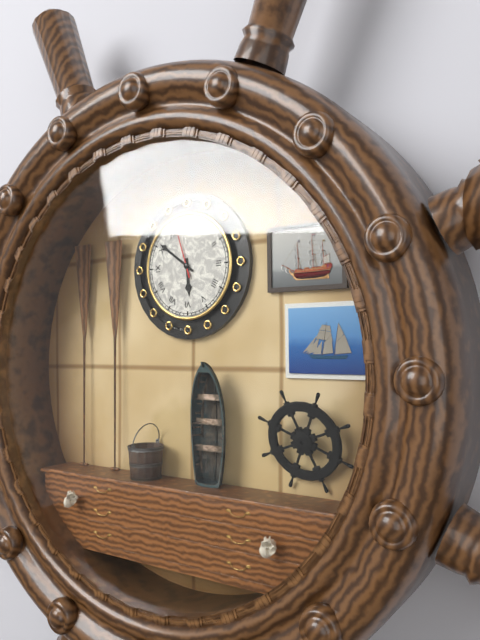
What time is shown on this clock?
5:51:57
